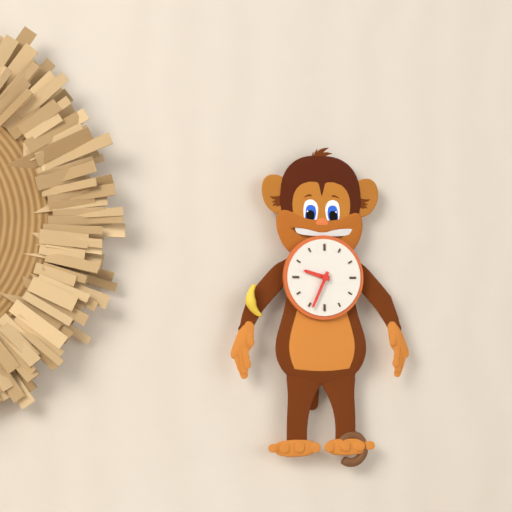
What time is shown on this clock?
9:34
